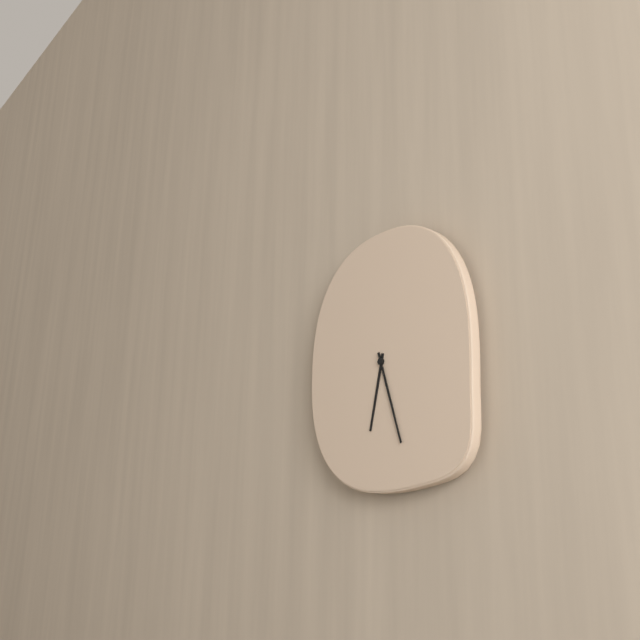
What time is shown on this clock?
6:27
